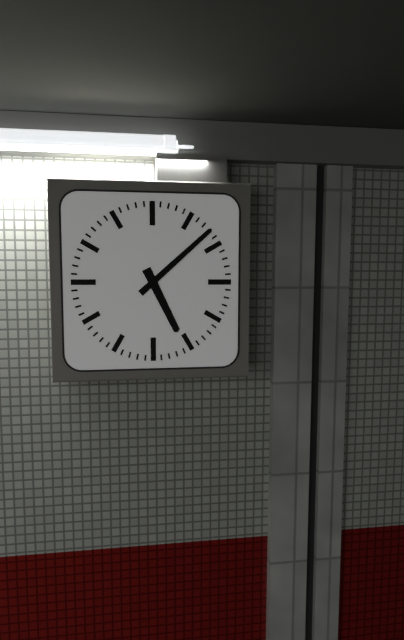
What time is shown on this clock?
5:08
